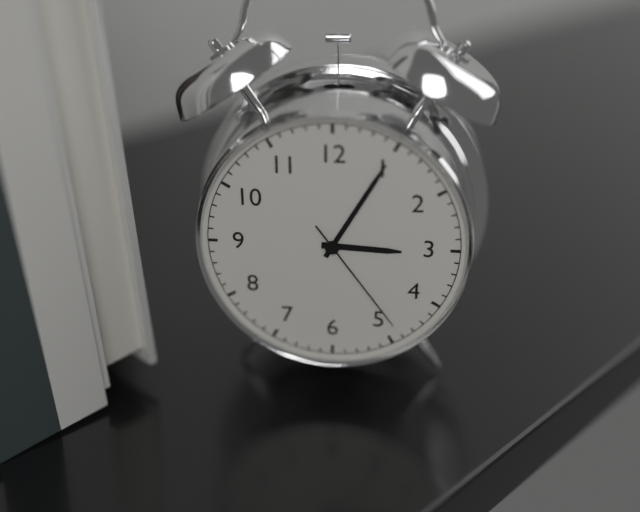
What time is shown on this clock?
3:05:24
